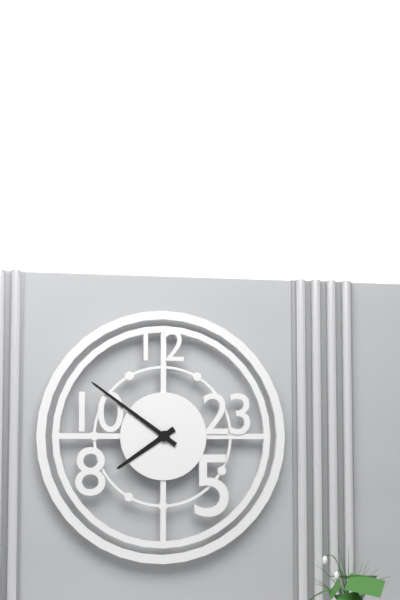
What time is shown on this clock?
7:51
